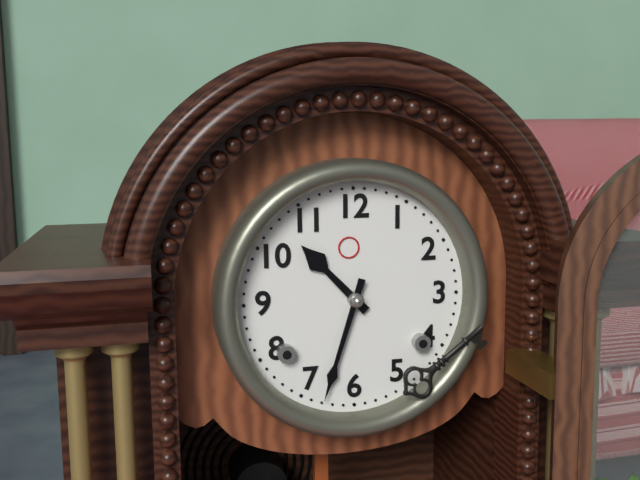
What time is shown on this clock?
10:33
